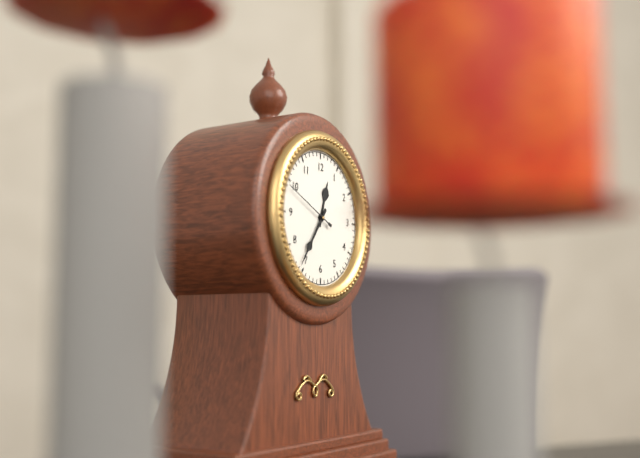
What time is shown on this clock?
12:36:49
